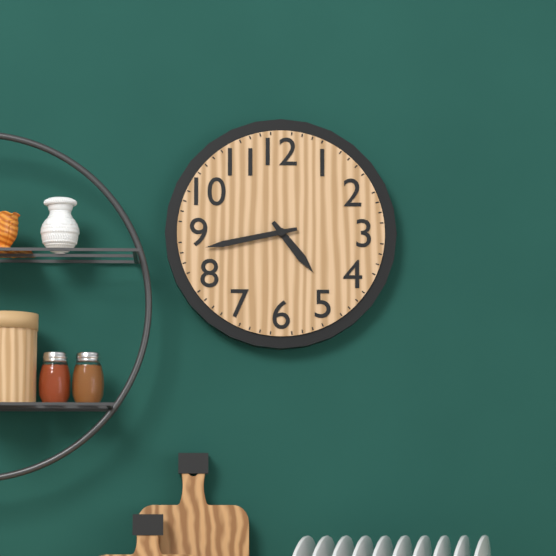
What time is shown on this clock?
4:43
